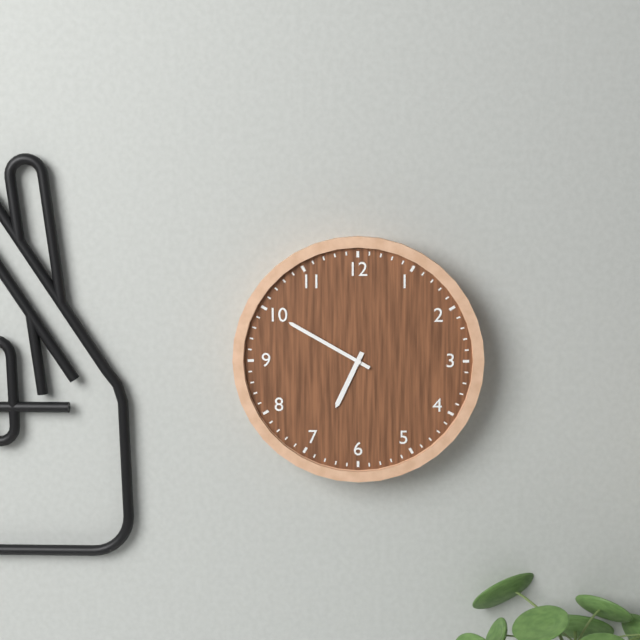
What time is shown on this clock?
6:50
